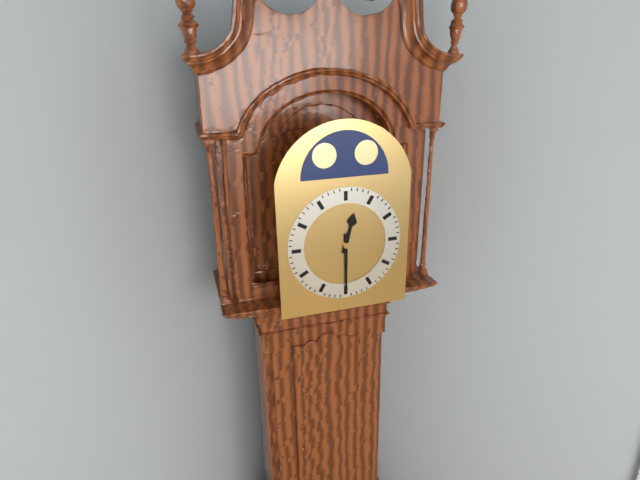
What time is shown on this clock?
12:30
